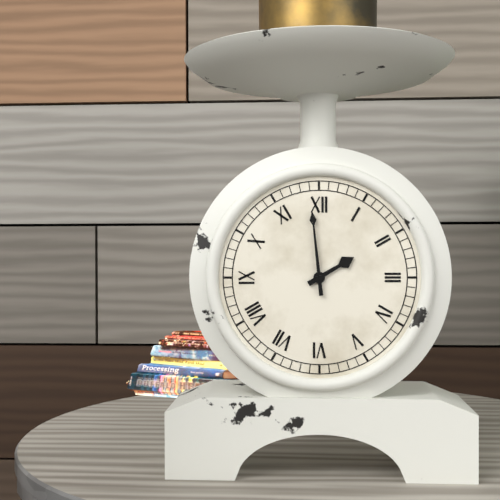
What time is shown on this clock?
1:59
